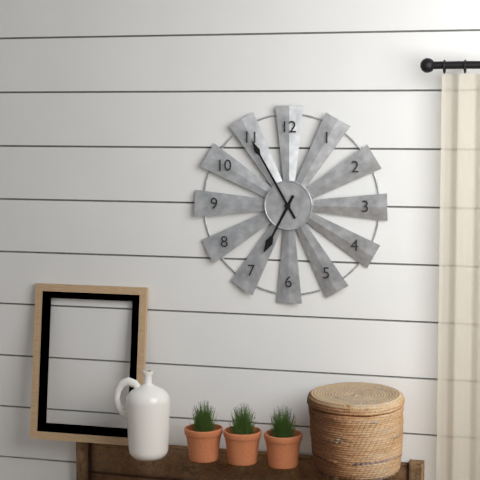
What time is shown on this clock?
6:55
